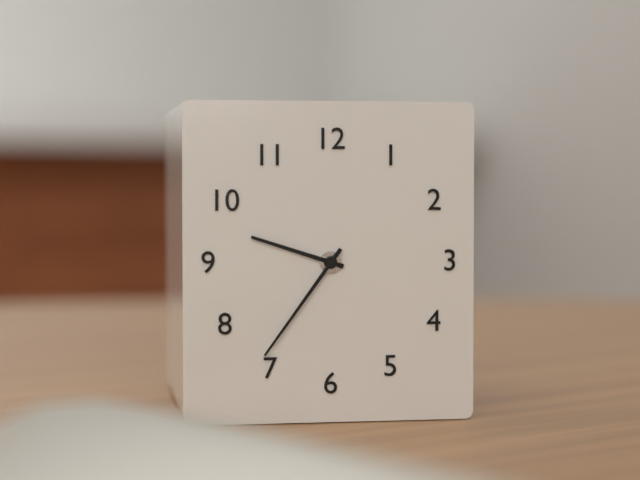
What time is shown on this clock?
9:36
